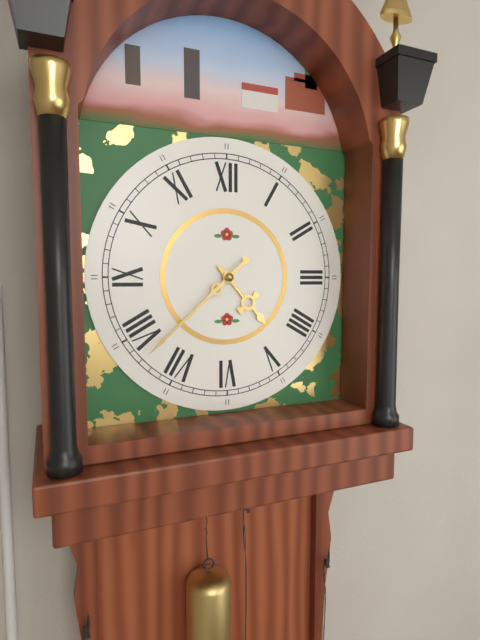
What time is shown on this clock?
4:38
